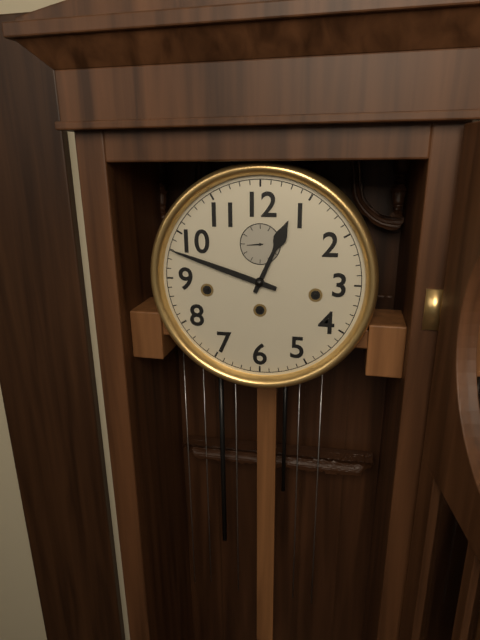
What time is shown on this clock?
12:48
